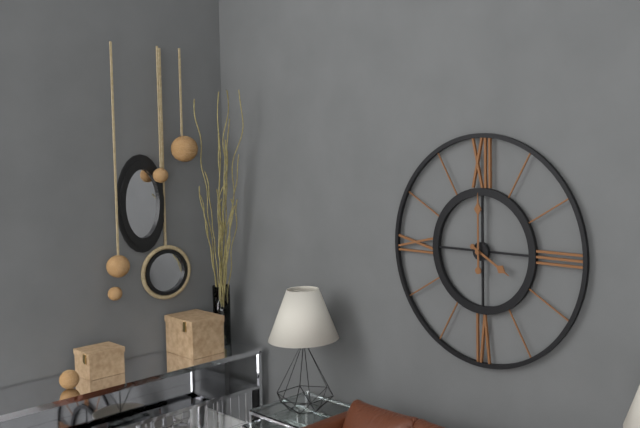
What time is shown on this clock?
4:00
